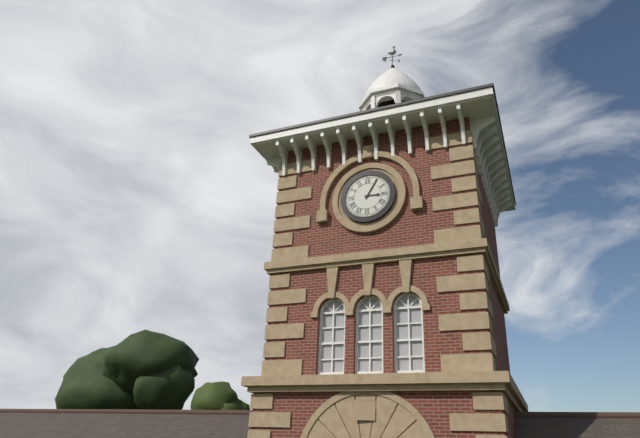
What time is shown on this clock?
3:05
